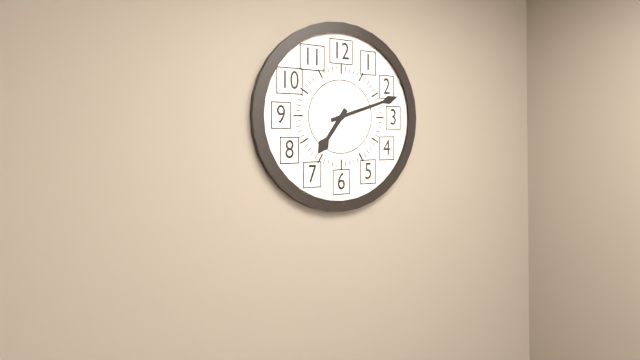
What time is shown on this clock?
7:12
